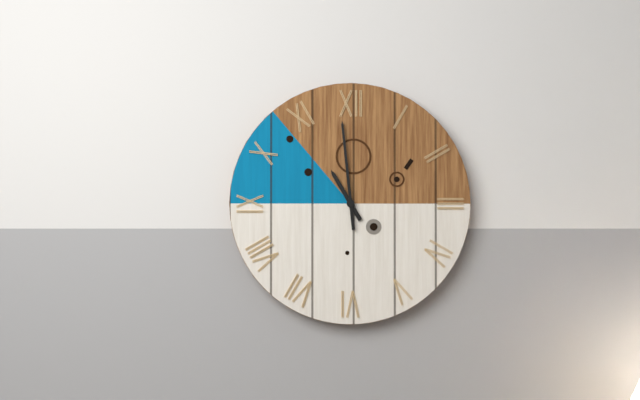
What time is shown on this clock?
10:59
